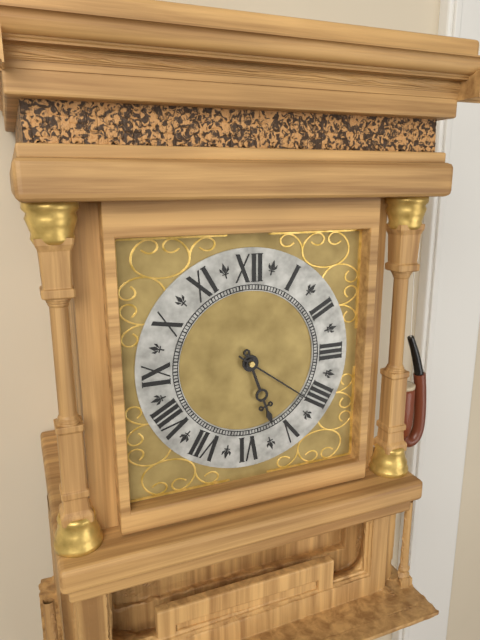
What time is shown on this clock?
5:21
